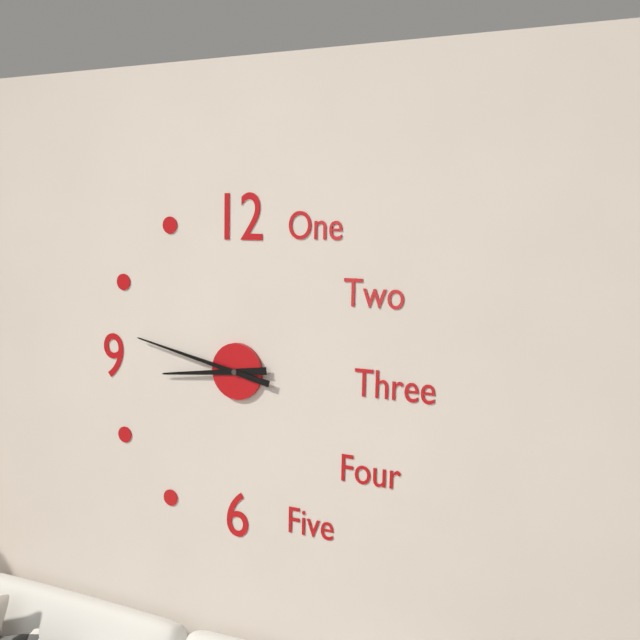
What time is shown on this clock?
8:47
